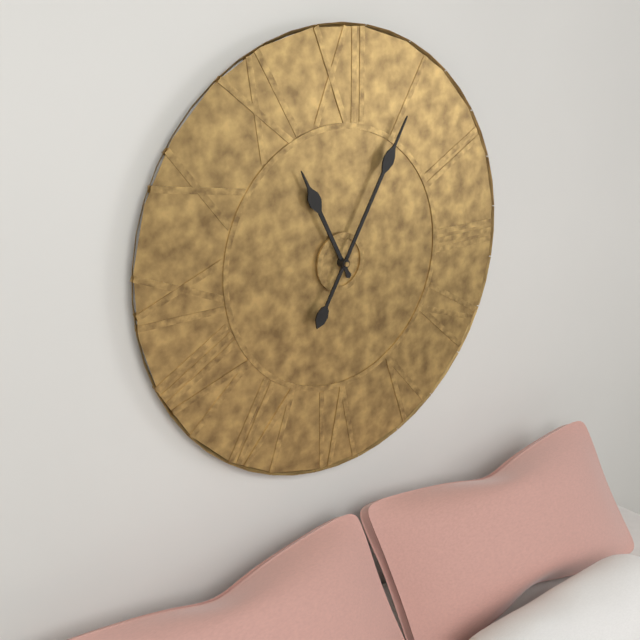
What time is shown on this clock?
11:05
